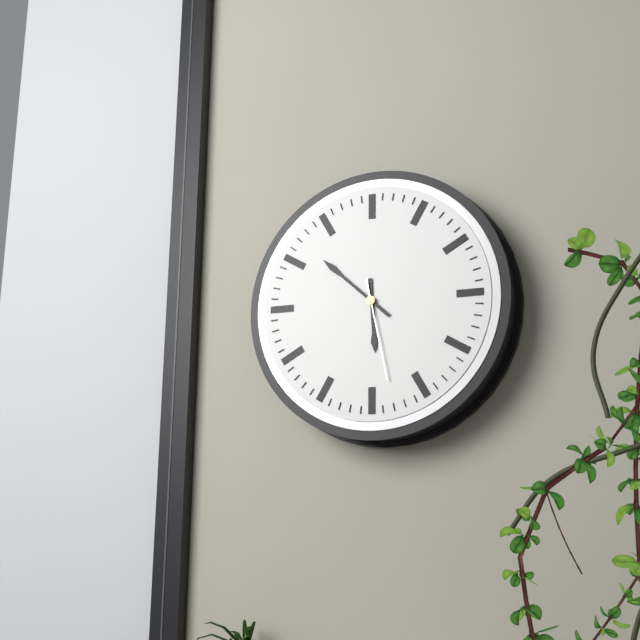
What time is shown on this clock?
5:52:28
